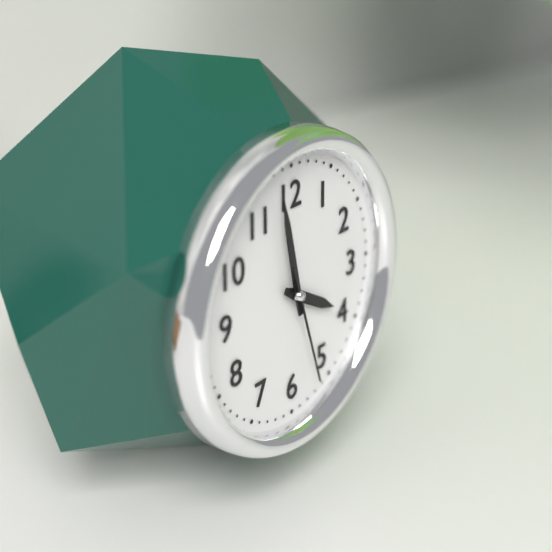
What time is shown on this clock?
3:58:27
